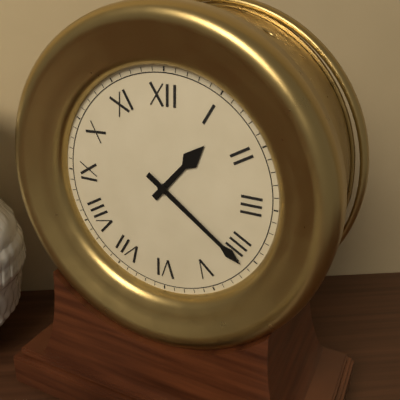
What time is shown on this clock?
1:21
